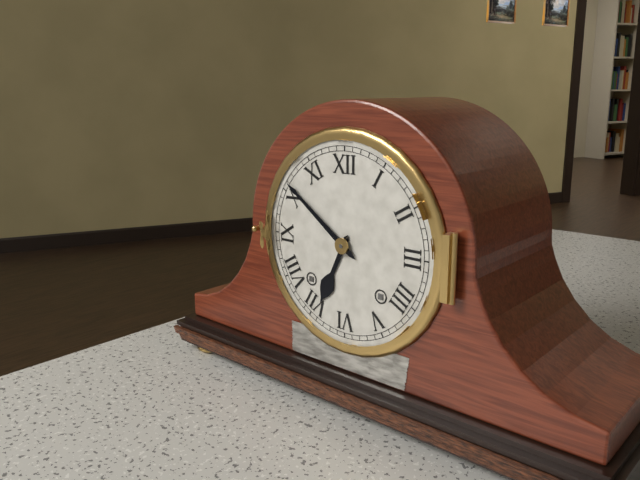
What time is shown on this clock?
6:51
